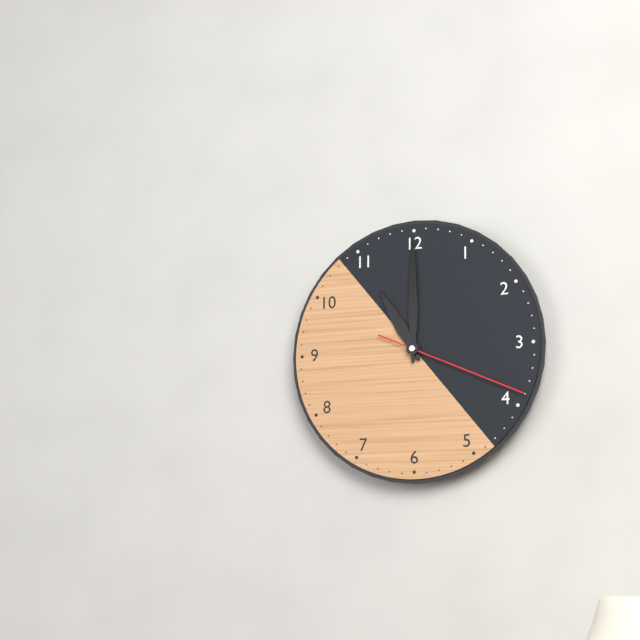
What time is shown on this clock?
11:00:19
